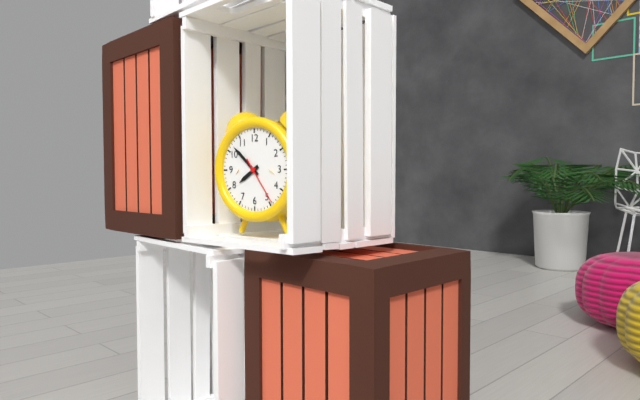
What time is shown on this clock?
7:52
